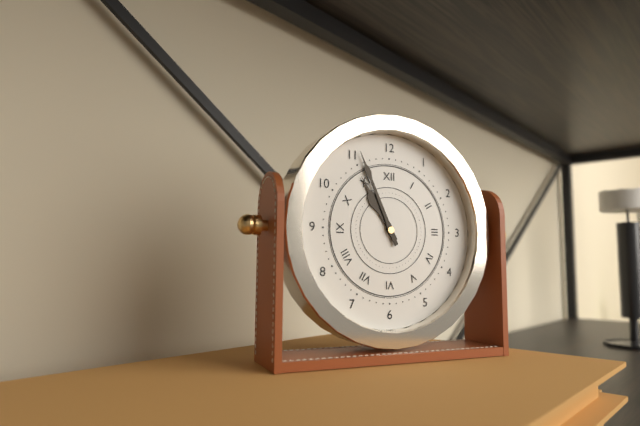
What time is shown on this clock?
10:56
